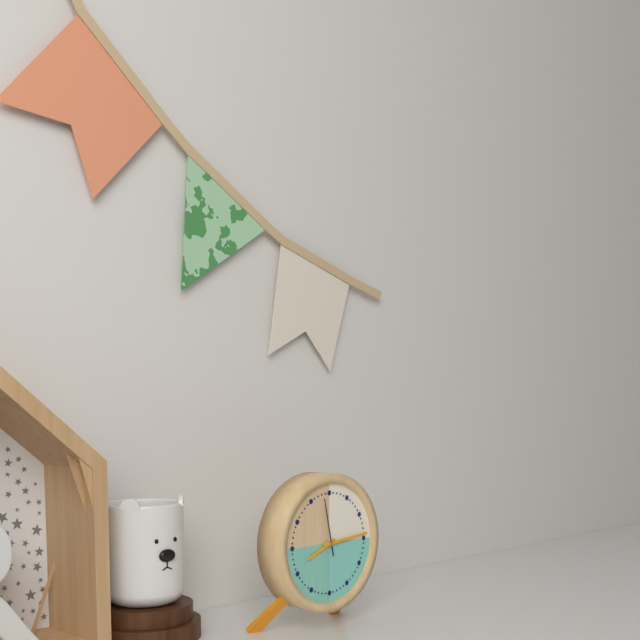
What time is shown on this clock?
8:14:58
